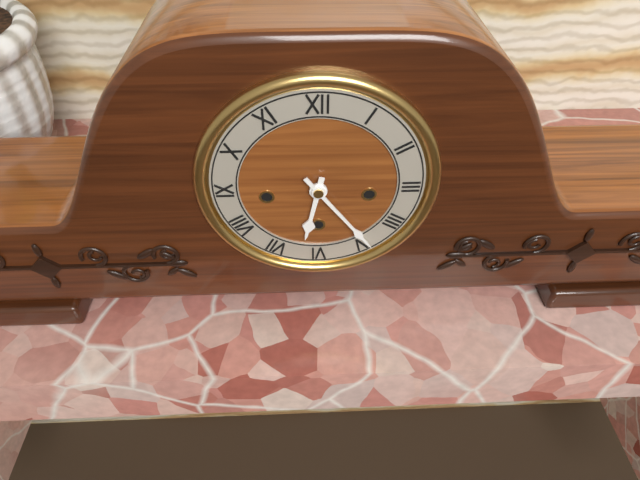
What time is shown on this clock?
6:24
